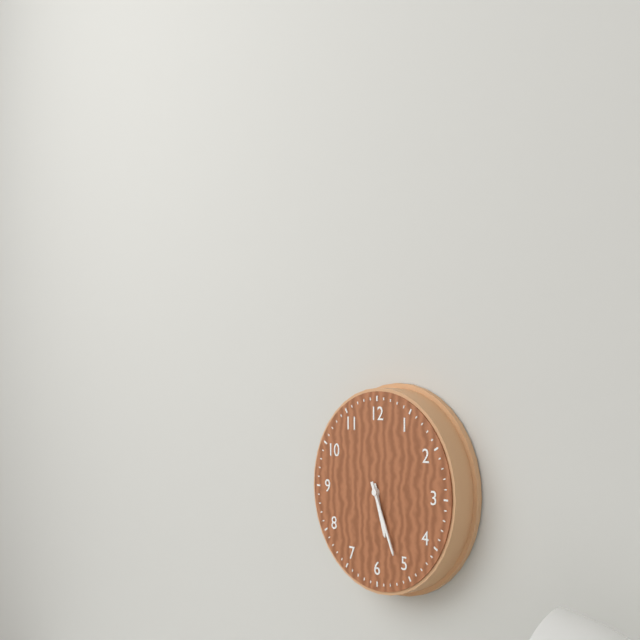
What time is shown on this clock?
5:26
